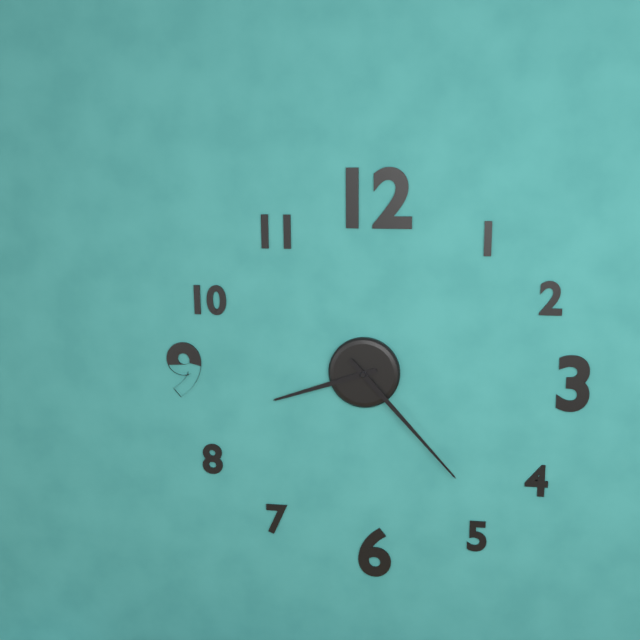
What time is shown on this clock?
8:23
